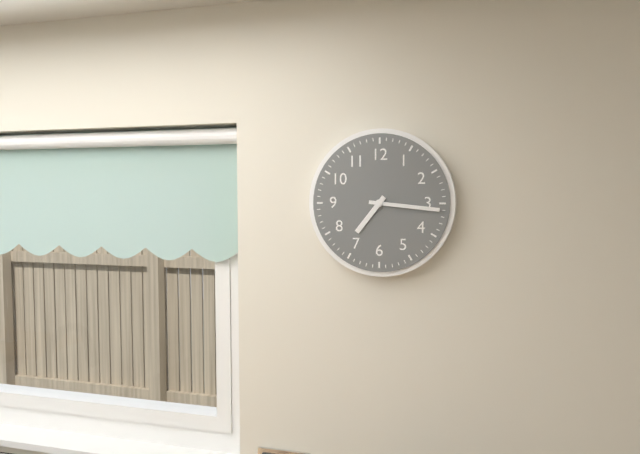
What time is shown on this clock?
7:16
